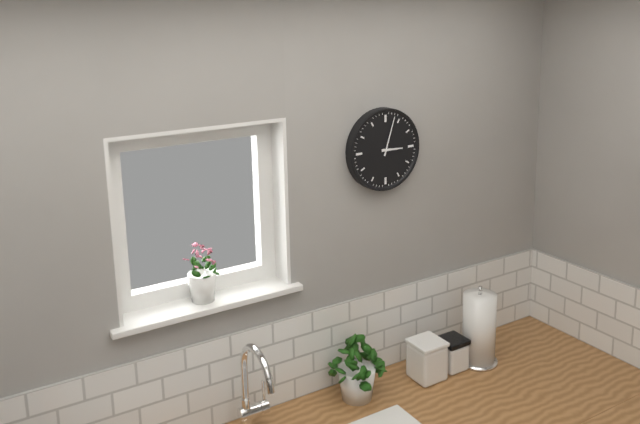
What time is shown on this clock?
3:03
